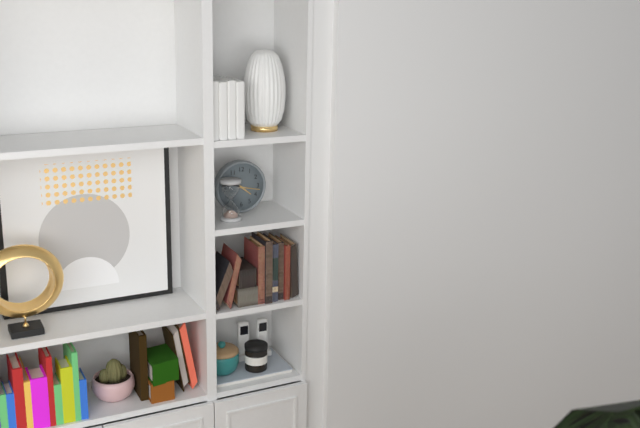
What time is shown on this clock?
4:17
